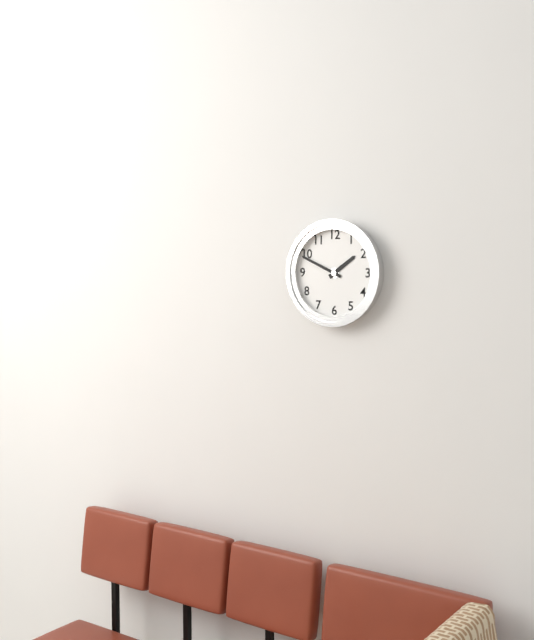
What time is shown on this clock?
1:49
